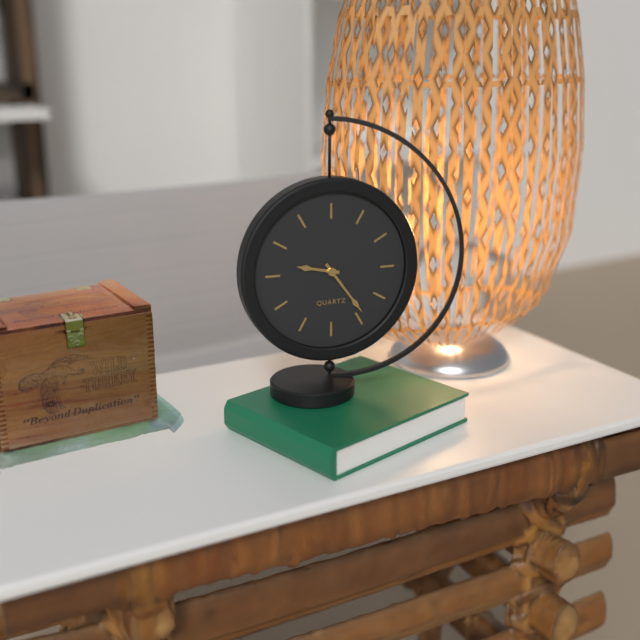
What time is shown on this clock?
9:24
